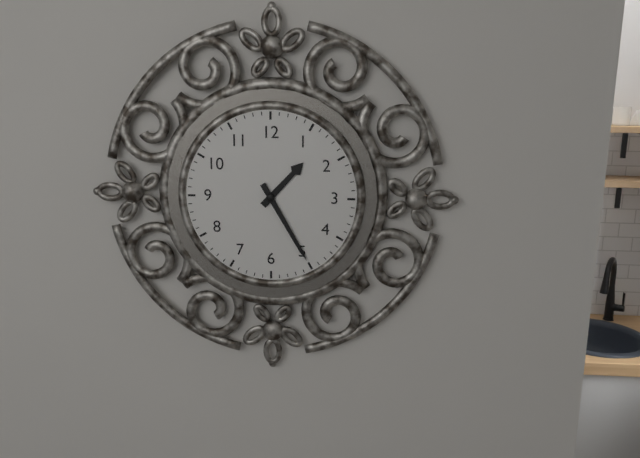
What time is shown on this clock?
1:25
